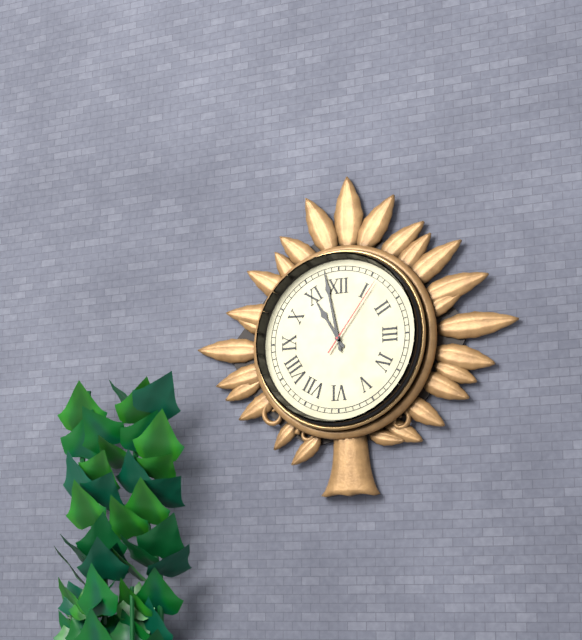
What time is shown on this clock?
10:58:06
